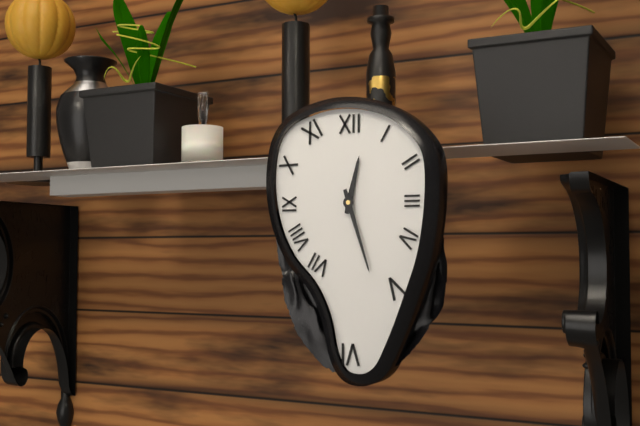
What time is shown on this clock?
12:27
